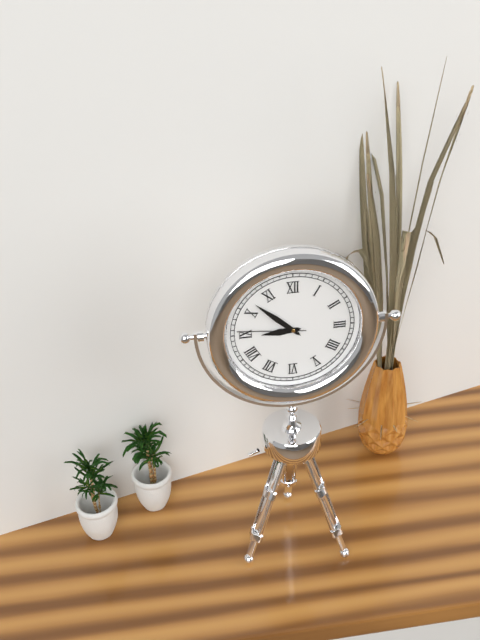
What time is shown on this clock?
8:52:46
